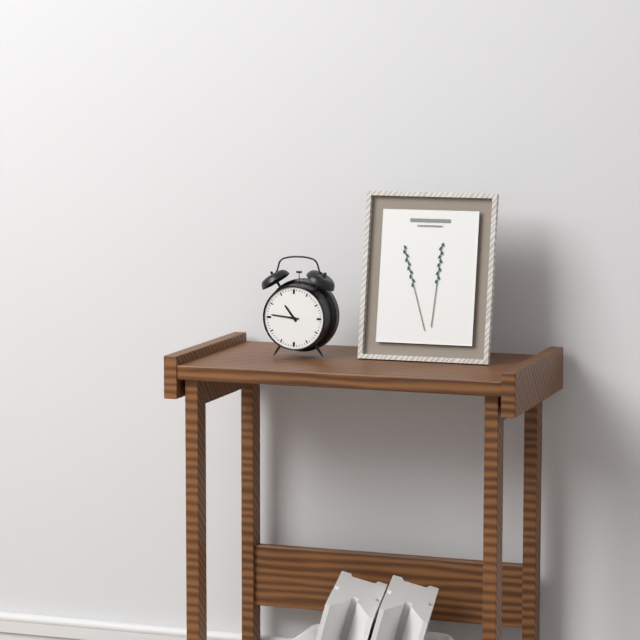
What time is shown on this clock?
10:46
